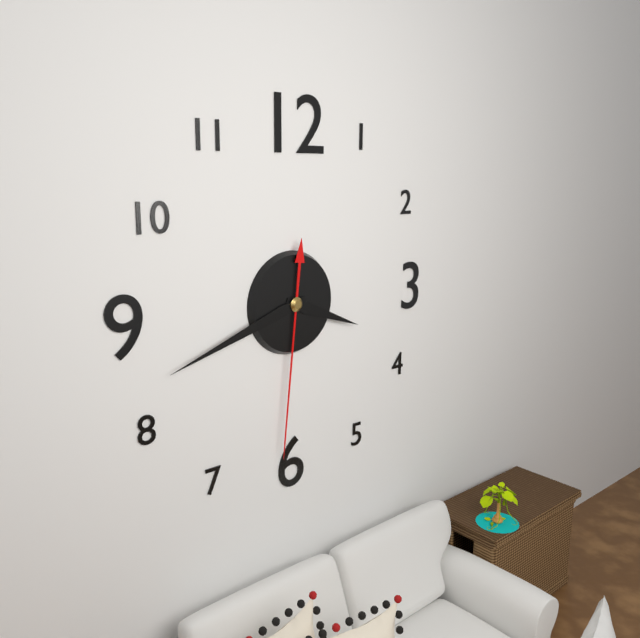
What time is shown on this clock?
3:42:31
